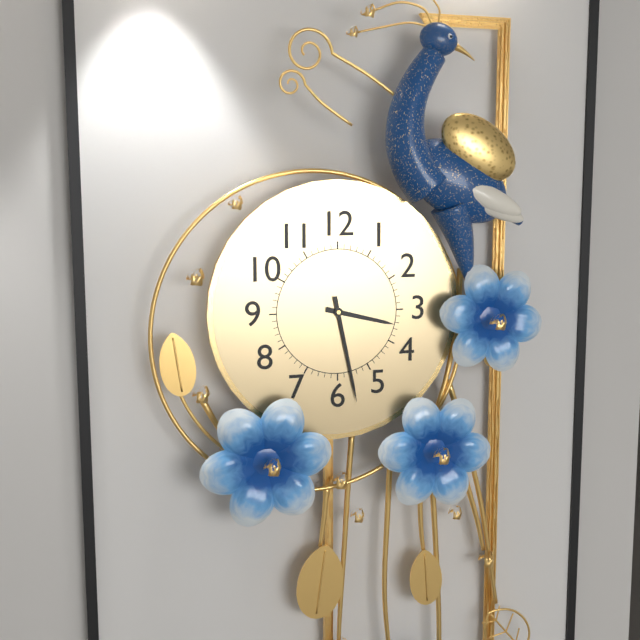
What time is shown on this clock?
3:28
